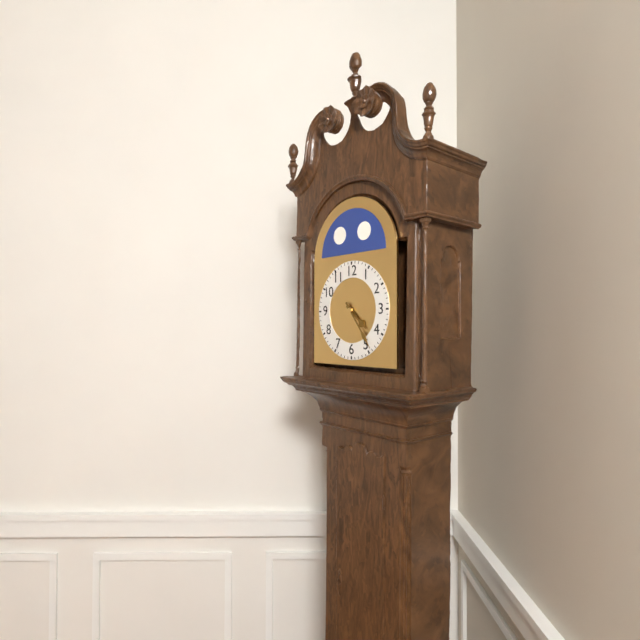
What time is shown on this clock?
4:24
